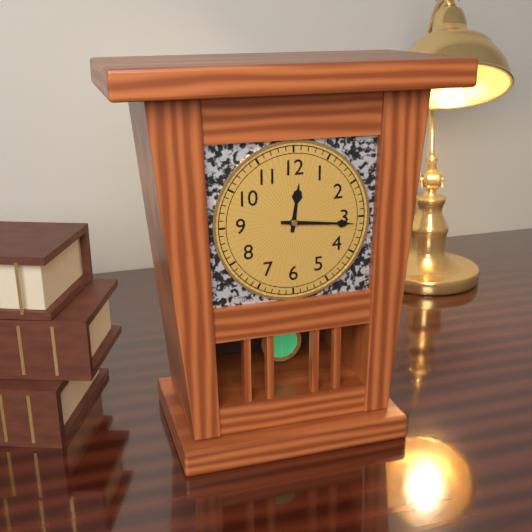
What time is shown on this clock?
12:16
